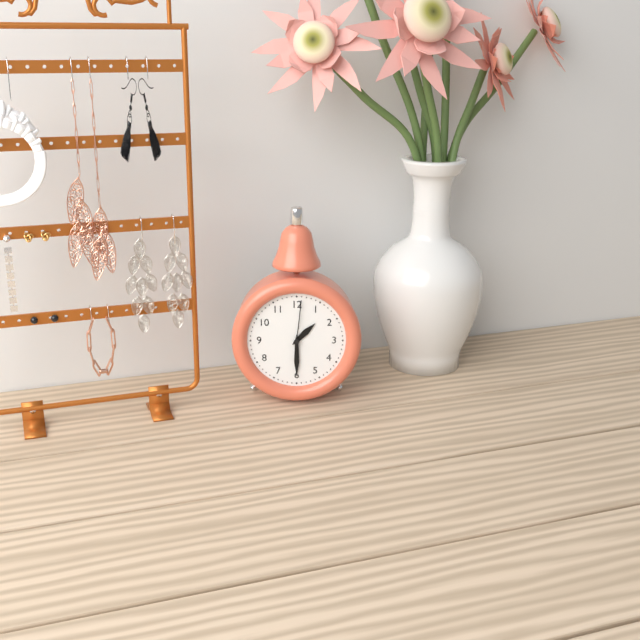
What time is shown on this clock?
1:30:01
